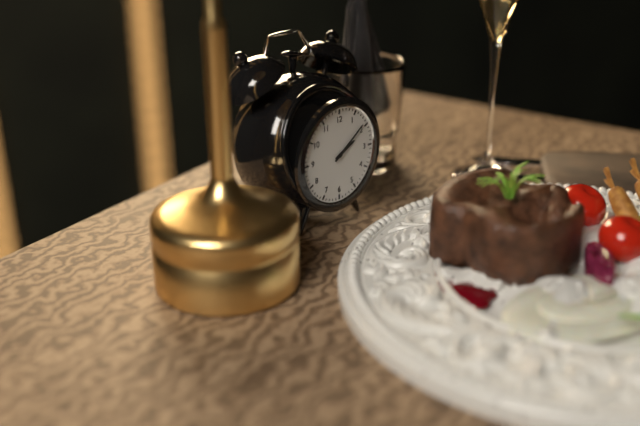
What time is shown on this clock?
2:09
